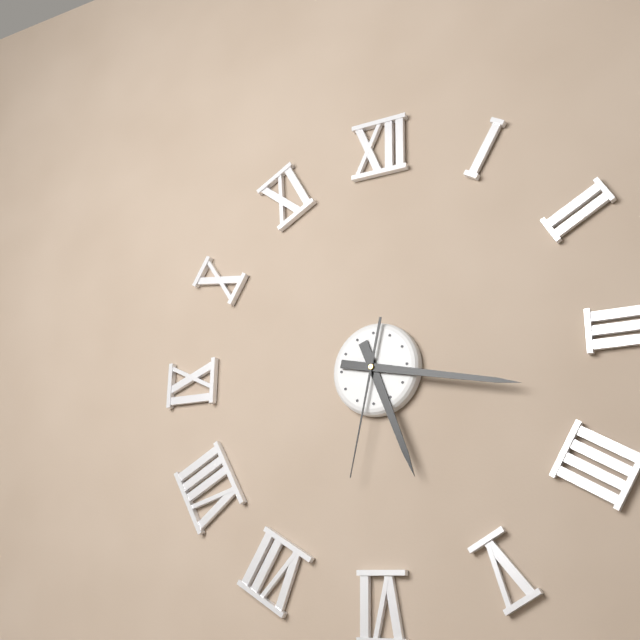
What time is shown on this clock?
5:17:32
